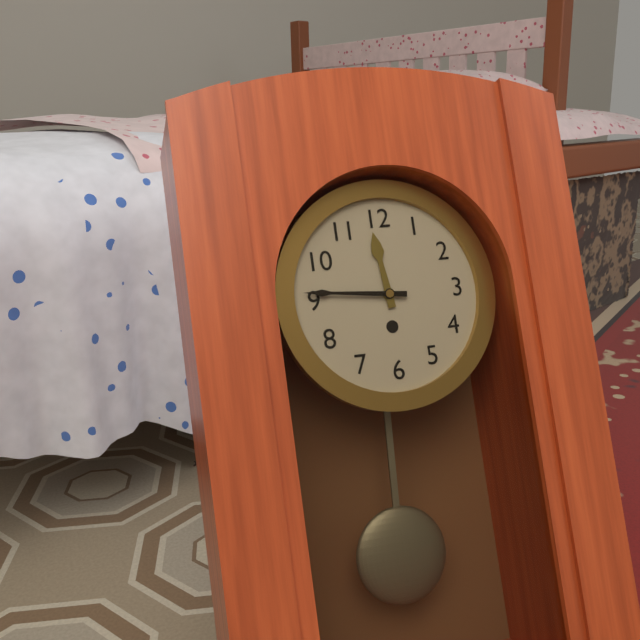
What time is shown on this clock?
11:46
